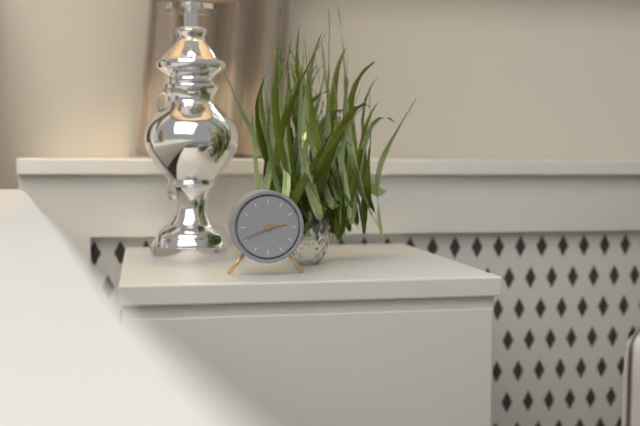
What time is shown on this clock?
2:41
